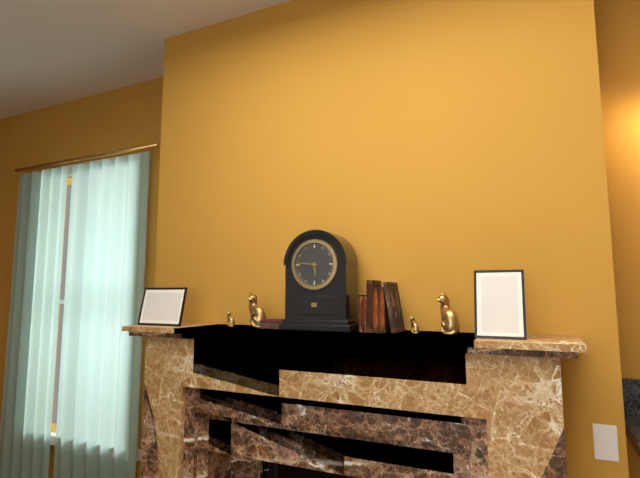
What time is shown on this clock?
5:46
